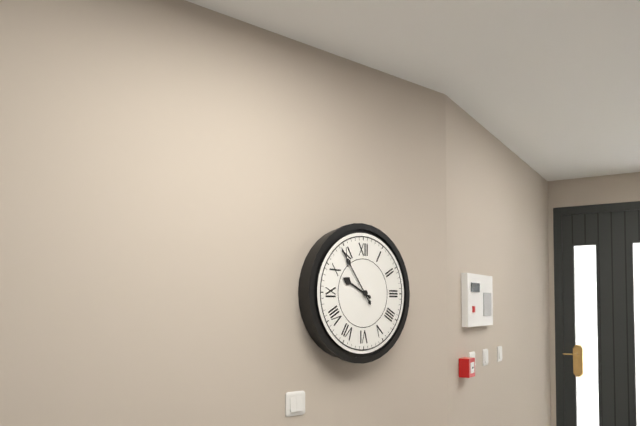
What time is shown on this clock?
9:54
